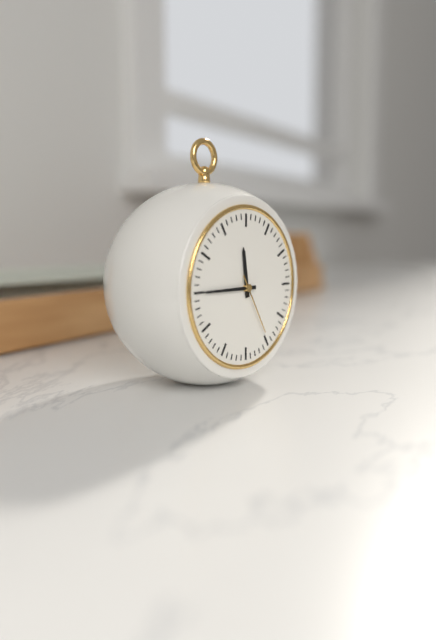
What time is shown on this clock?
11:45:25
